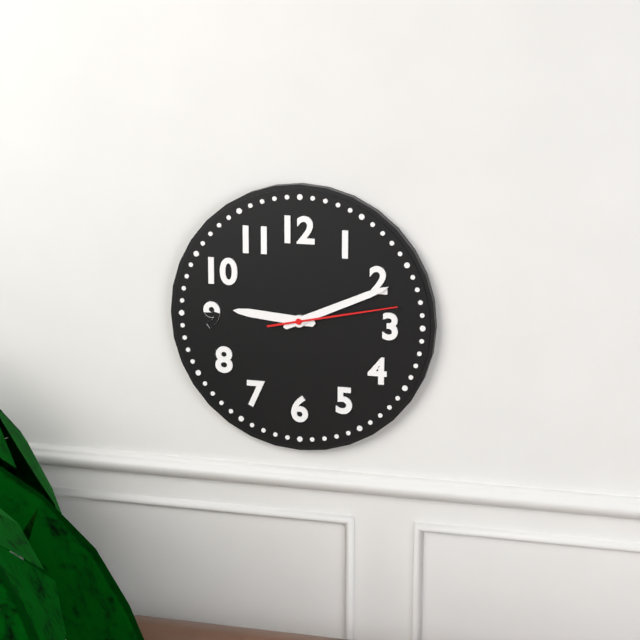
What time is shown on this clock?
9:11:13
